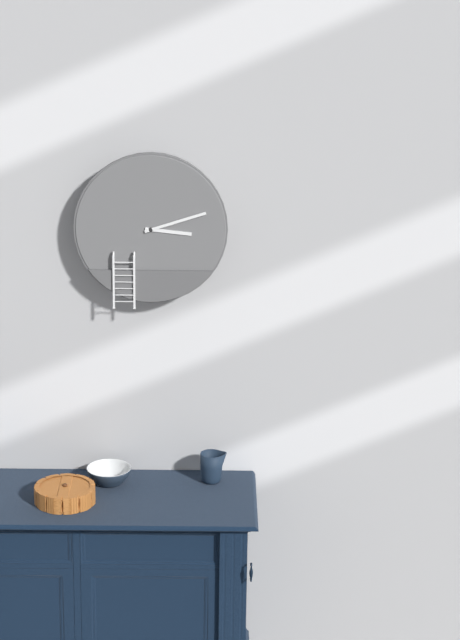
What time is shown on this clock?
3:12
